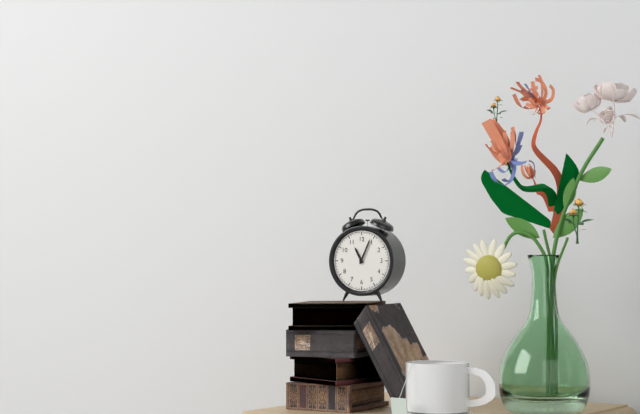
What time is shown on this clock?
11:04
